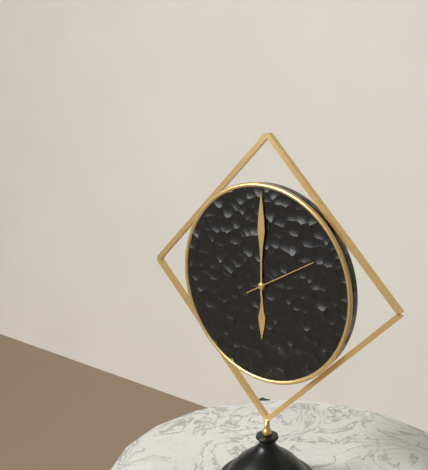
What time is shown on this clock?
6:00:10
